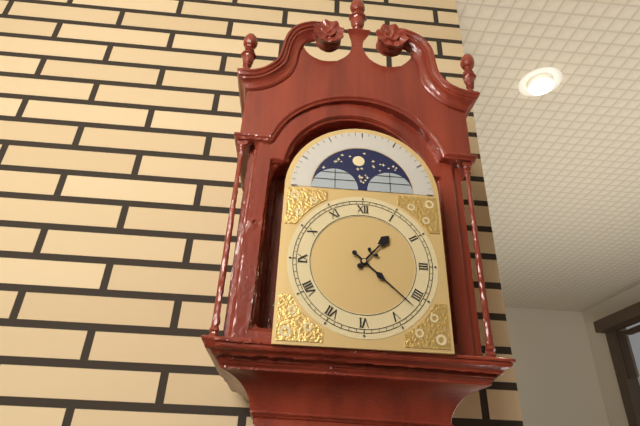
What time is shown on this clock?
1:22
